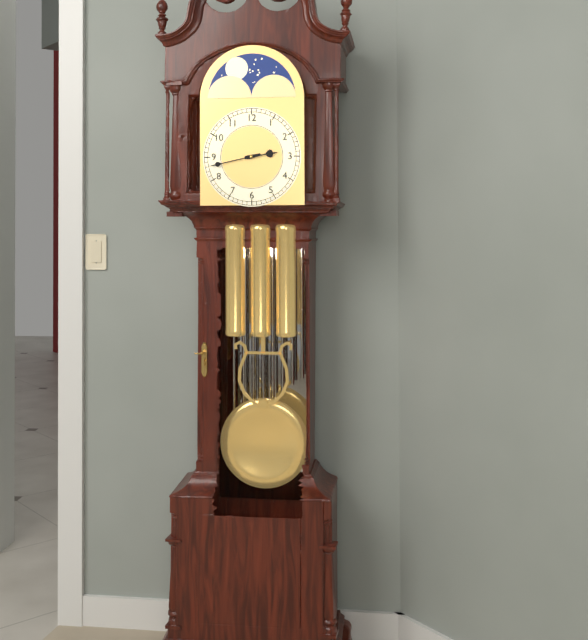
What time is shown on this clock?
2:43
